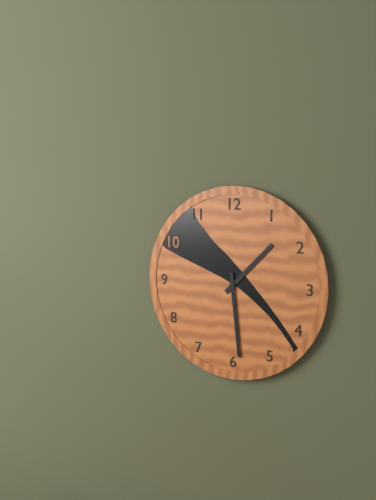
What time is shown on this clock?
1:29
